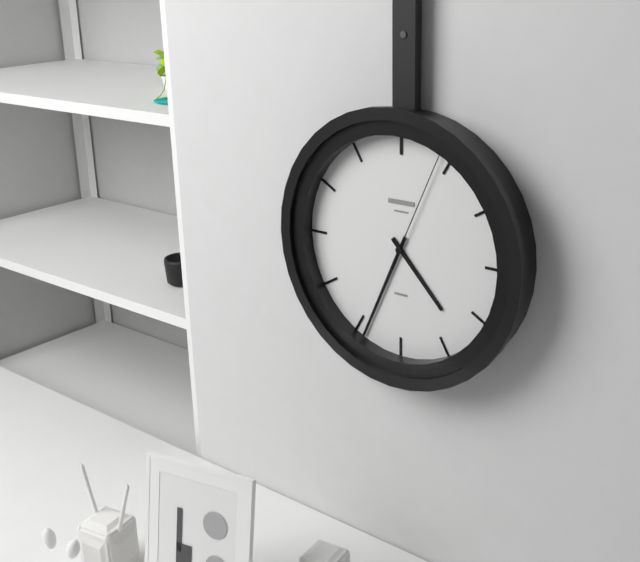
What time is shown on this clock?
4:34:04
